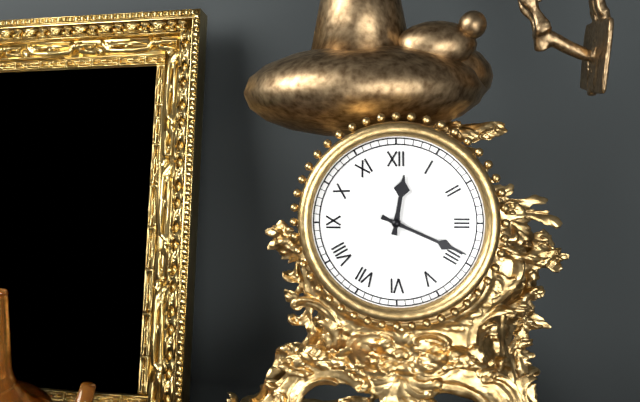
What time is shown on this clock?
12:19
